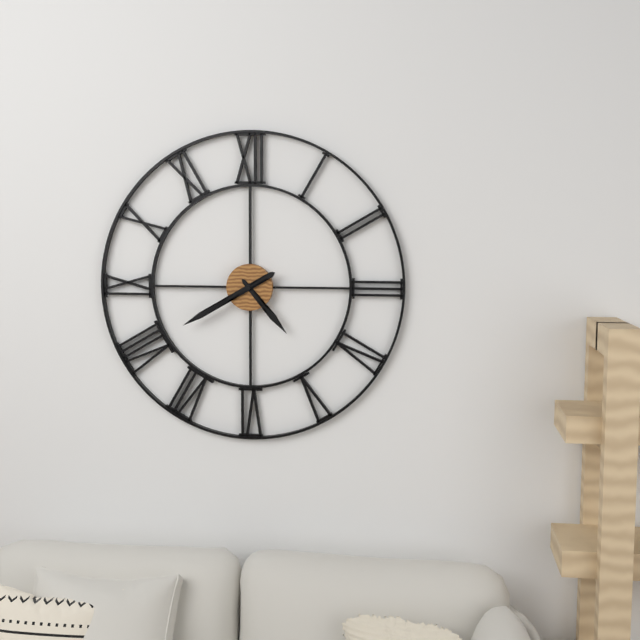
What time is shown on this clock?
4:40
